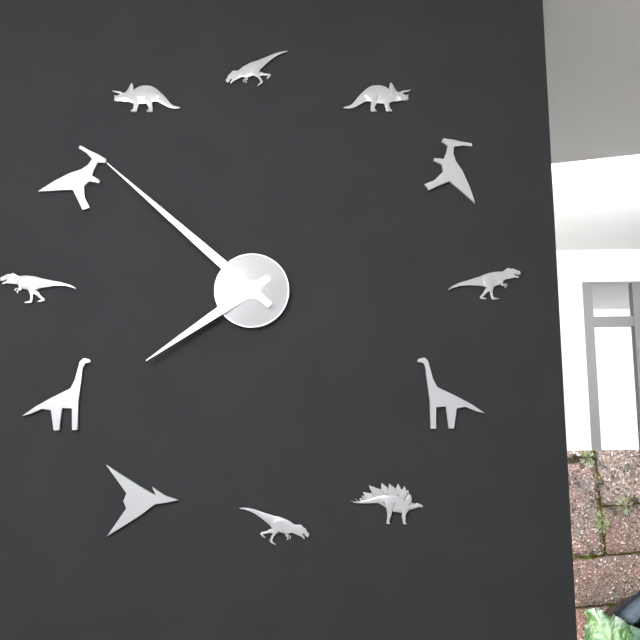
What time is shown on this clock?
7:52
